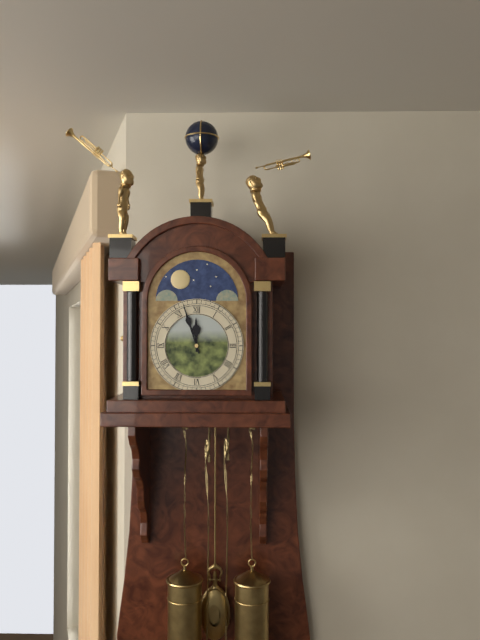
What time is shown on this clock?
11:57
